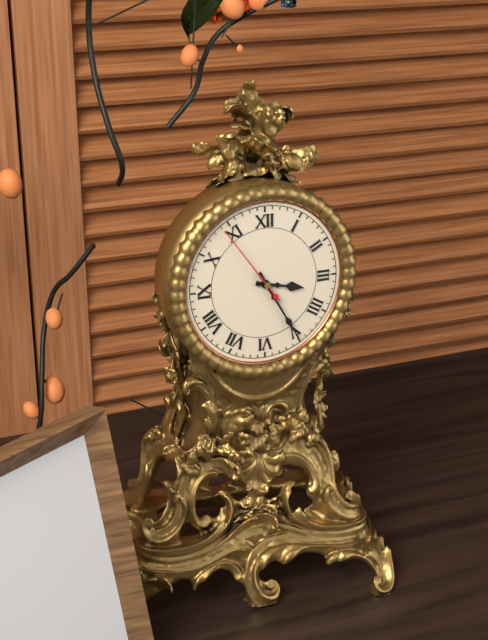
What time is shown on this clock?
3:25:54
